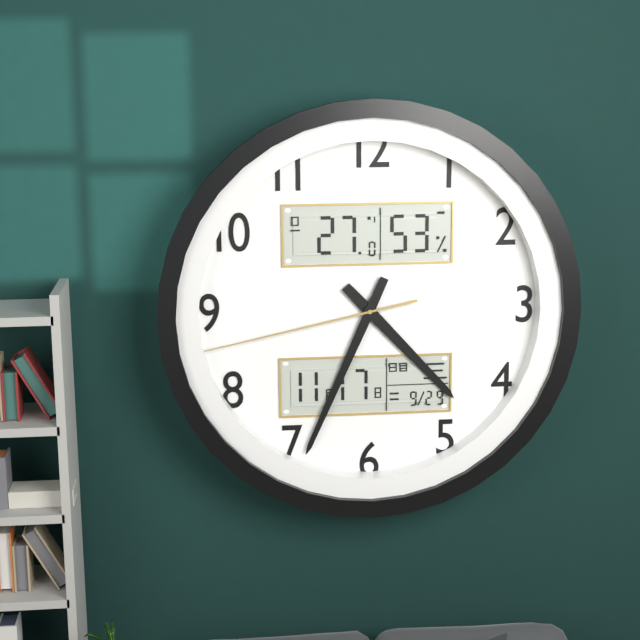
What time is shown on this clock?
4:34:43
